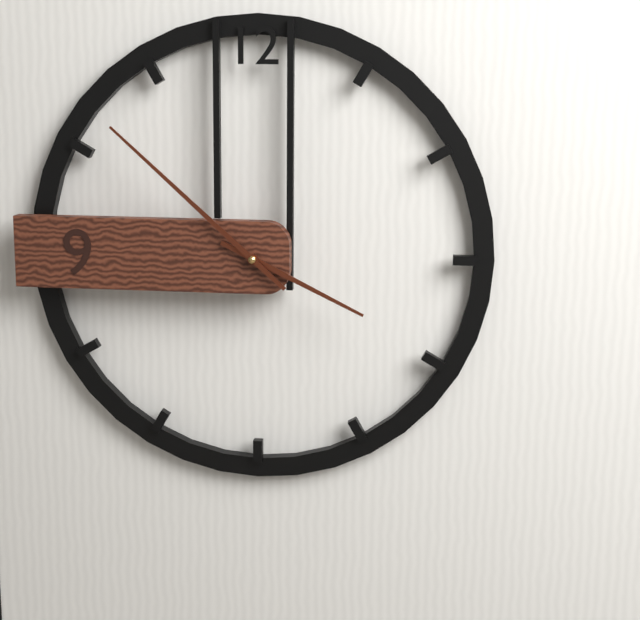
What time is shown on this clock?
3:52
